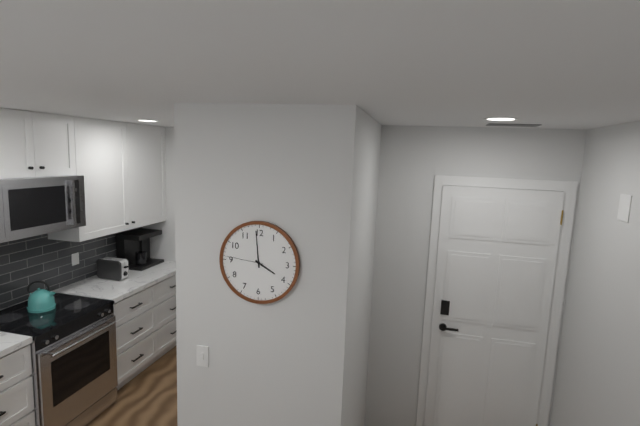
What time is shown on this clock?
3:59
